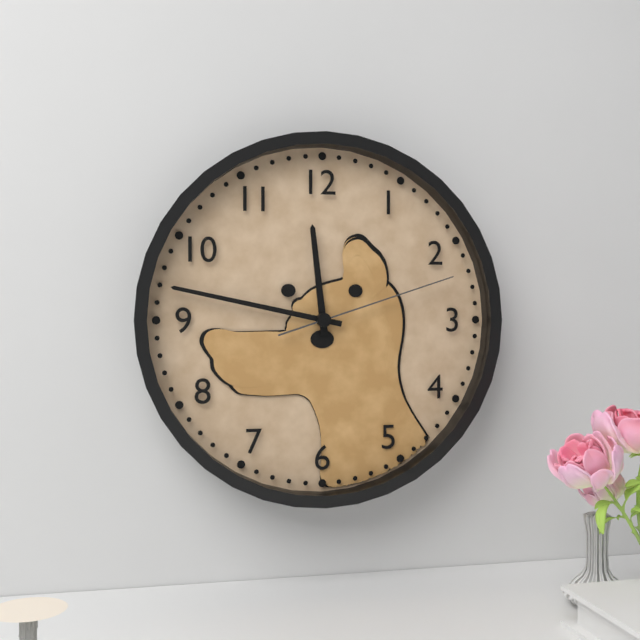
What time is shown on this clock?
11:47:12
